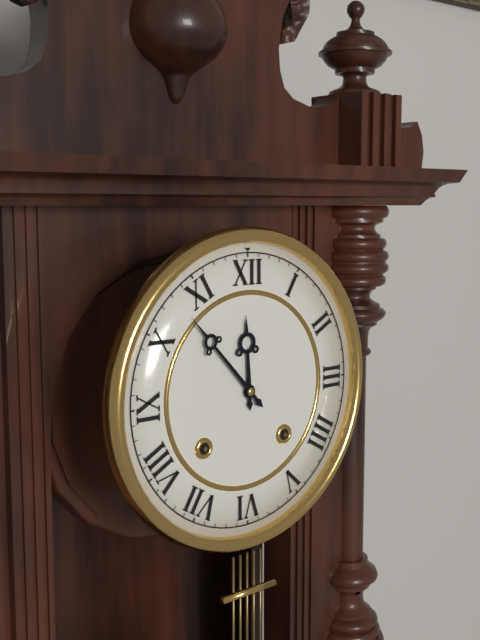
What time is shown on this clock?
11:53
